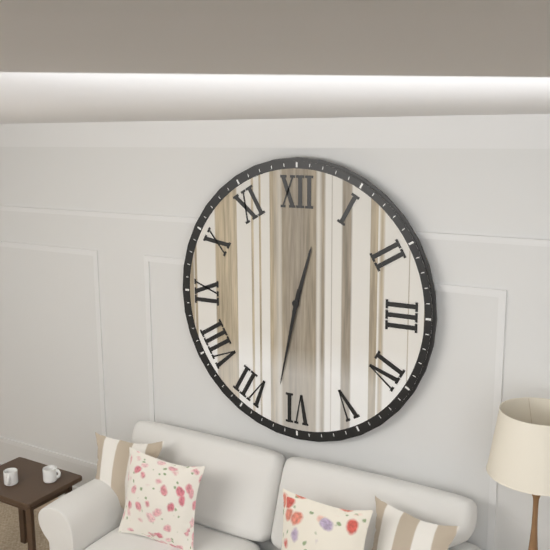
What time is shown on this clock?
12:32
